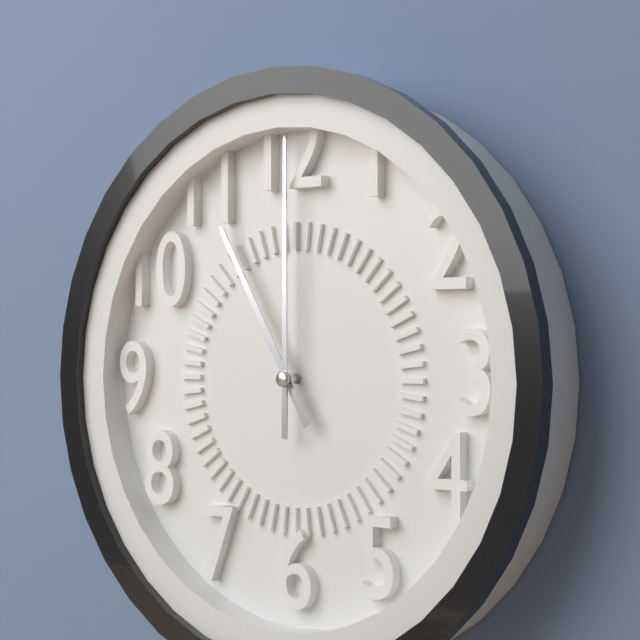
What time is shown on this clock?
11:00
